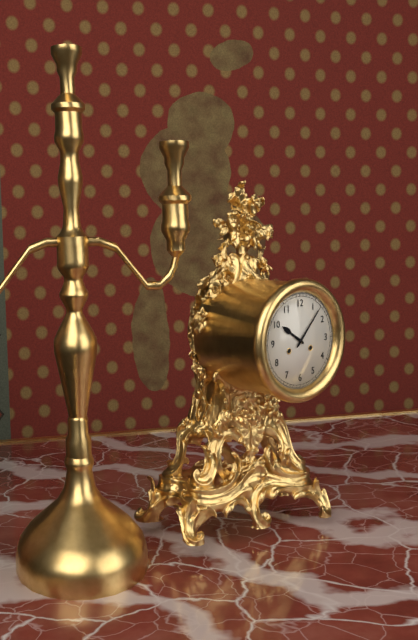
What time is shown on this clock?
10:07
